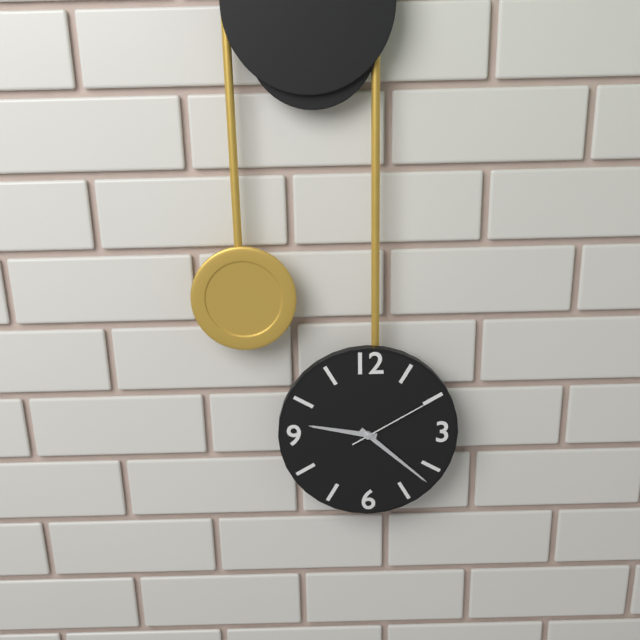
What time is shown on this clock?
9:22:10
